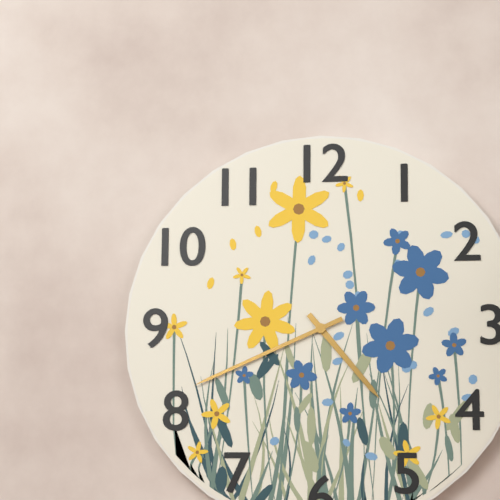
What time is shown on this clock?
4:41
